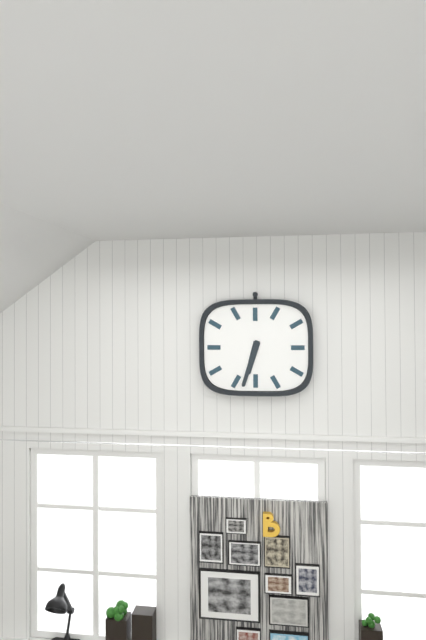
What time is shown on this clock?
6:33
